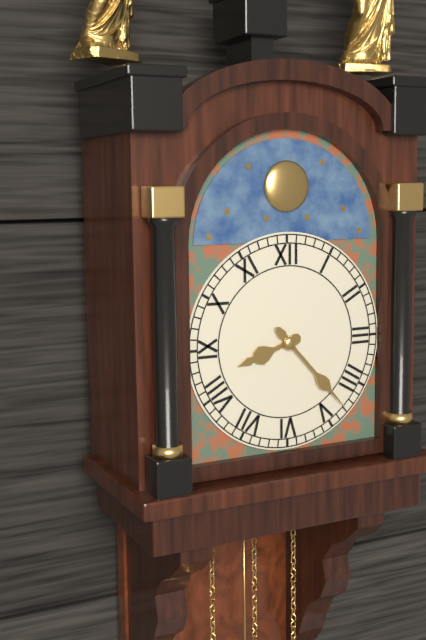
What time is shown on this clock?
8:23
